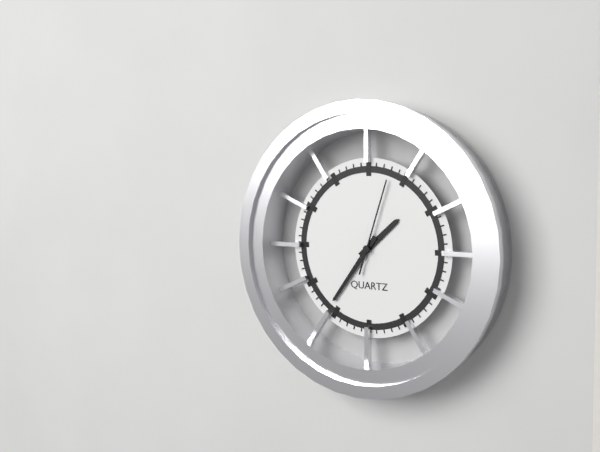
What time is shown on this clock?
1:36:03
